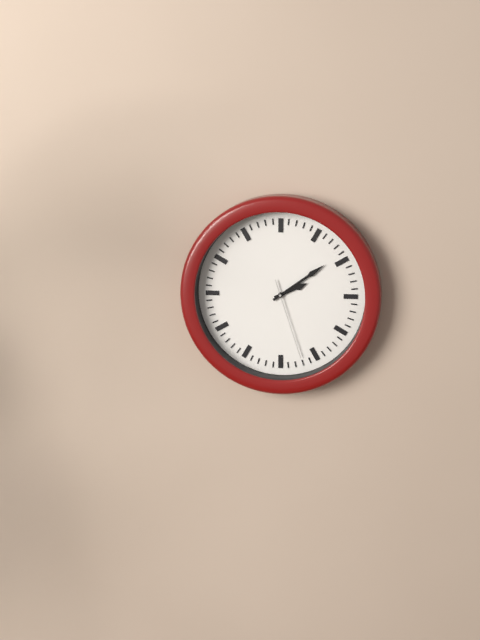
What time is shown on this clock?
2:09:27
